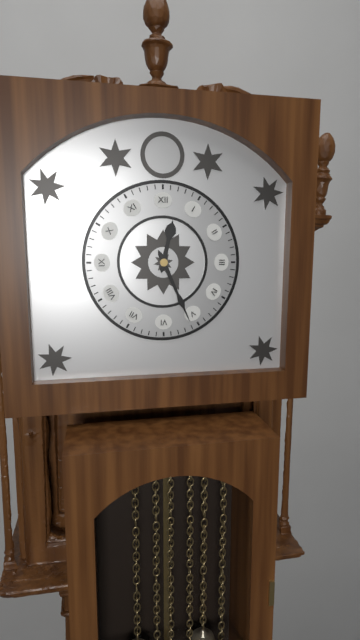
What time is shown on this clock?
12:26
